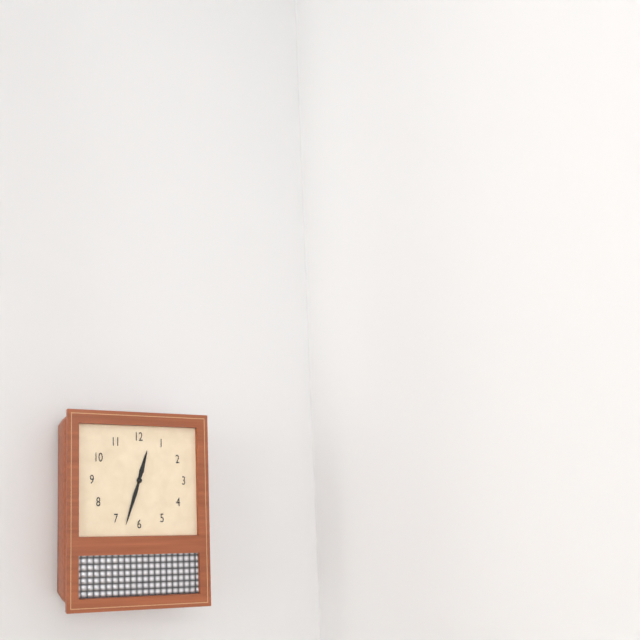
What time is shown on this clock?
12:33
